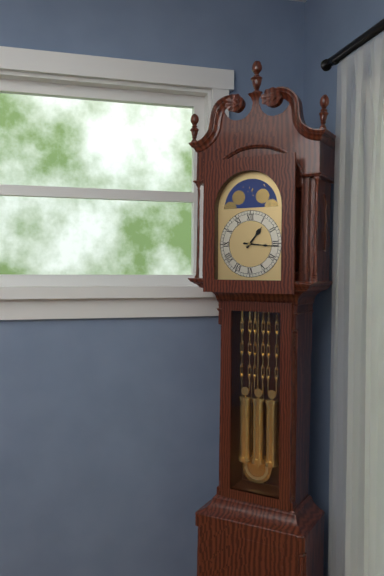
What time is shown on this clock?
1:16
